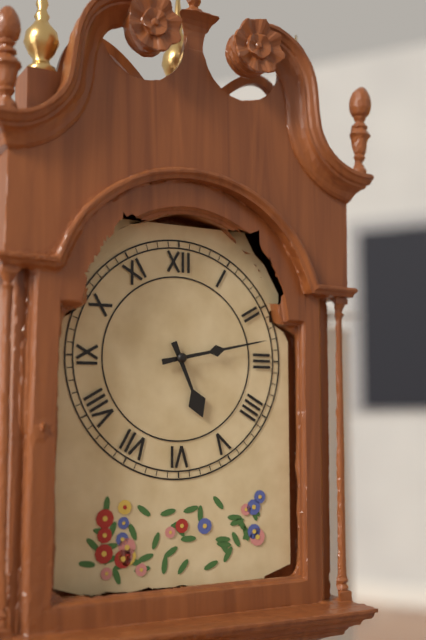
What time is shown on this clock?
5:13
